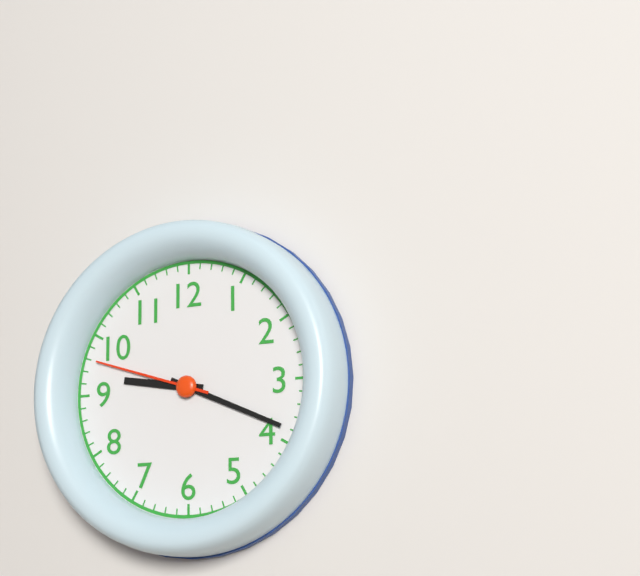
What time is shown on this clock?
9:19:48
